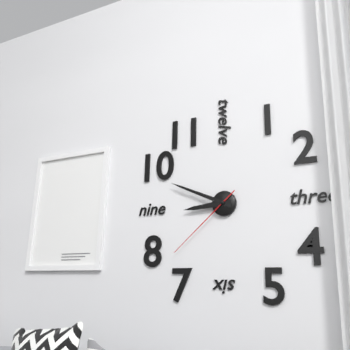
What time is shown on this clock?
8:49:38
